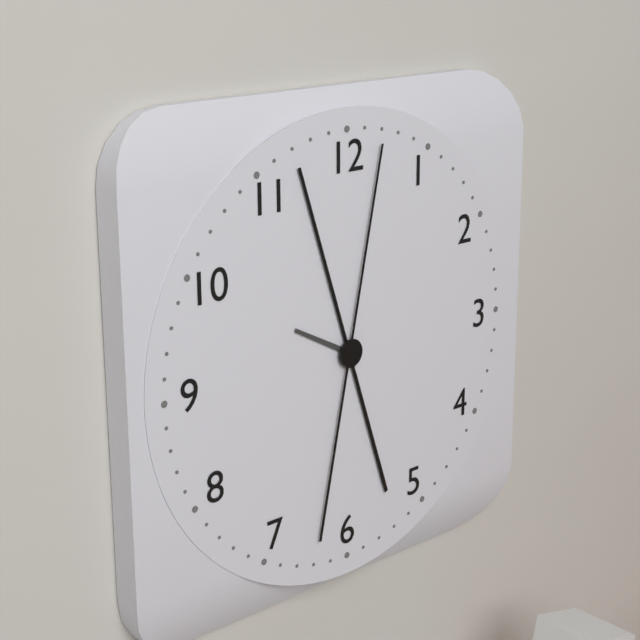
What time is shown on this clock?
9:57:02
